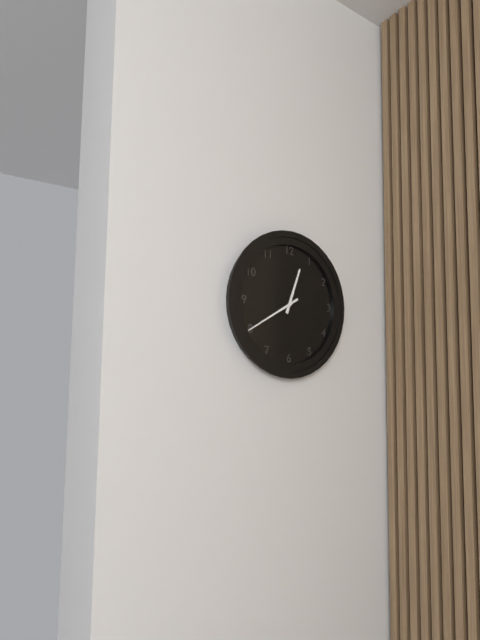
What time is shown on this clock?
12:40
